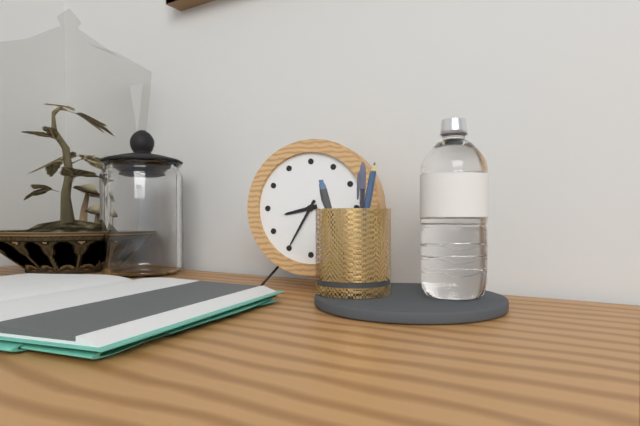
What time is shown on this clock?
8:35
